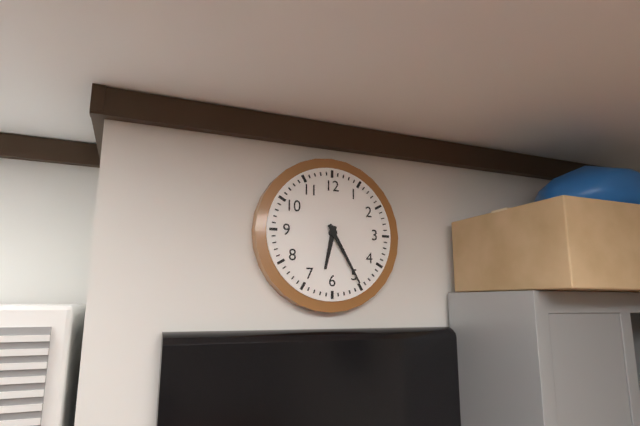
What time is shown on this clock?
6:25
